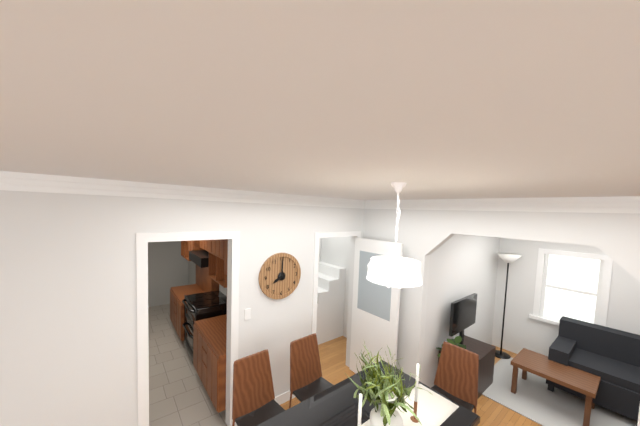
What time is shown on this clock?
8:00
